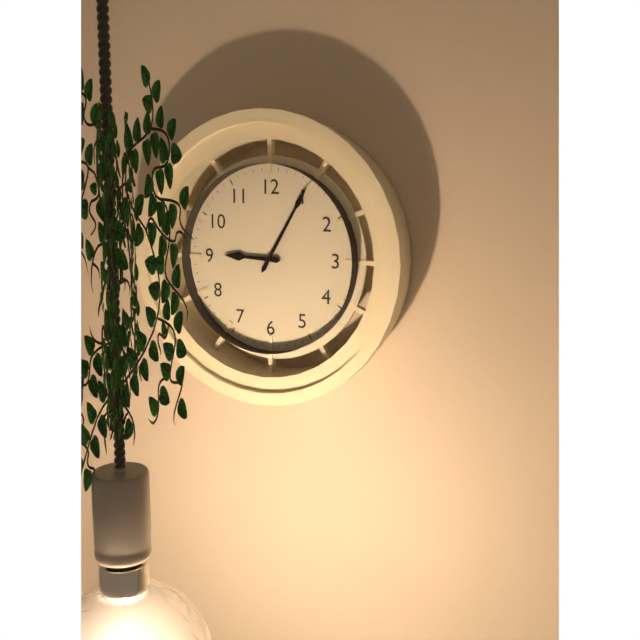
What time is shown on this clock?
9:05
